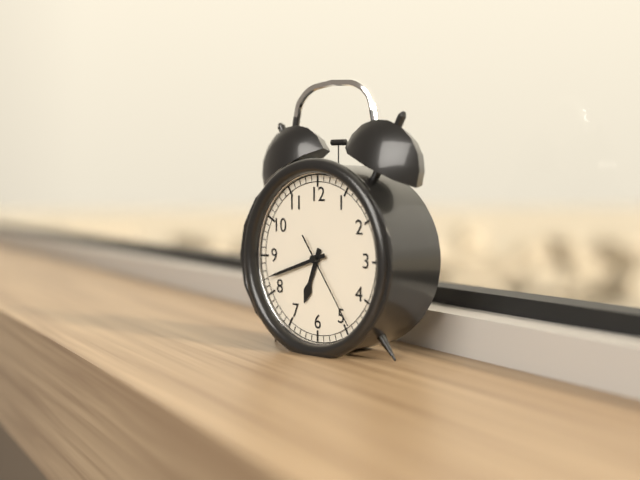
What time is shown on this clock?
6:42:24
